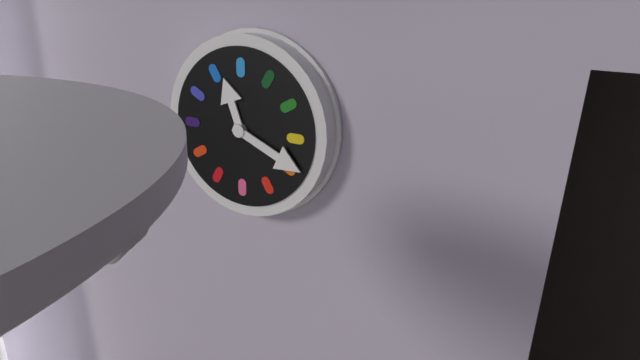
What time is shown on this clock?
11:19
